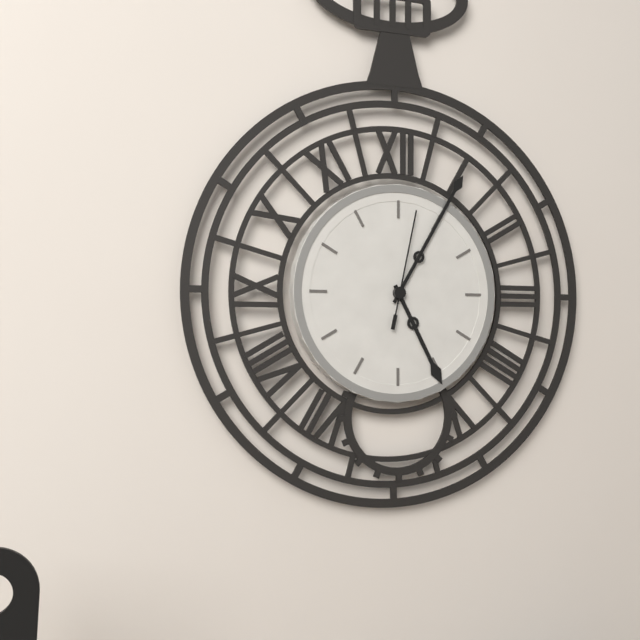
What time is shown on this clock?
5:05:02
